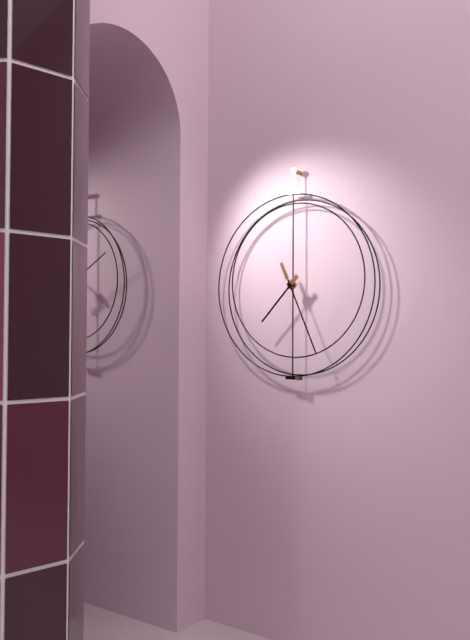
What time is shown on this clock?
7:26
